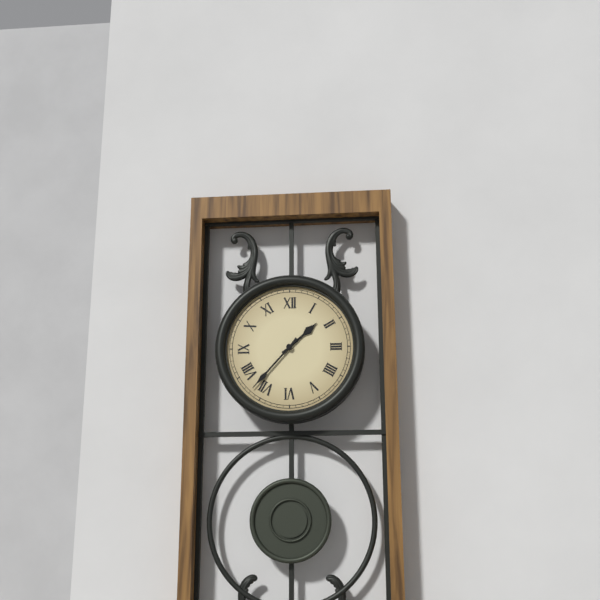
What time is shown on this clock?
1:37
